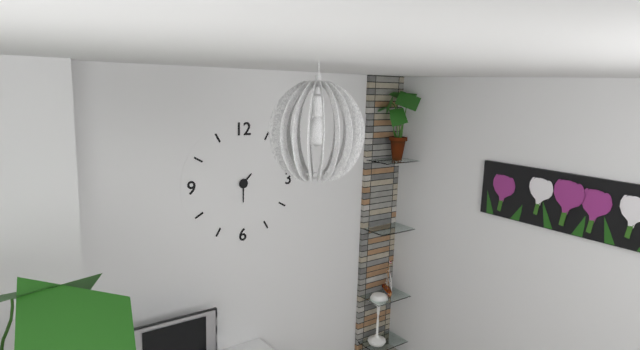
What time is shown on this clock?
1:30
